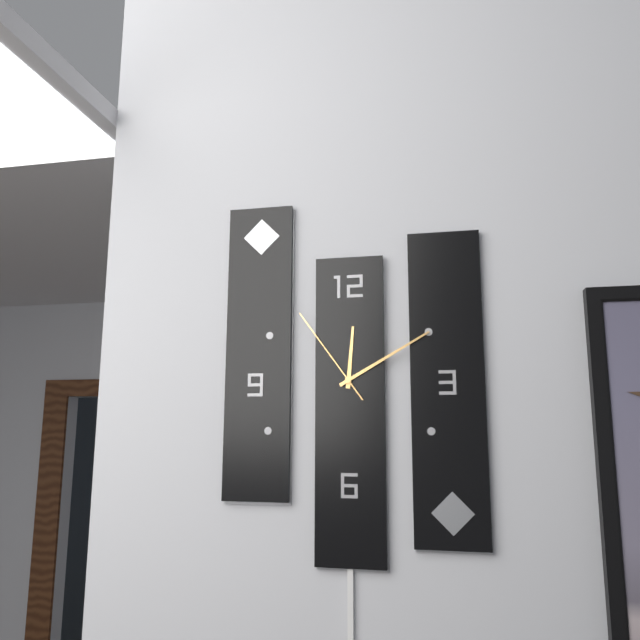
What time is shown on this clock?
12:10:54
